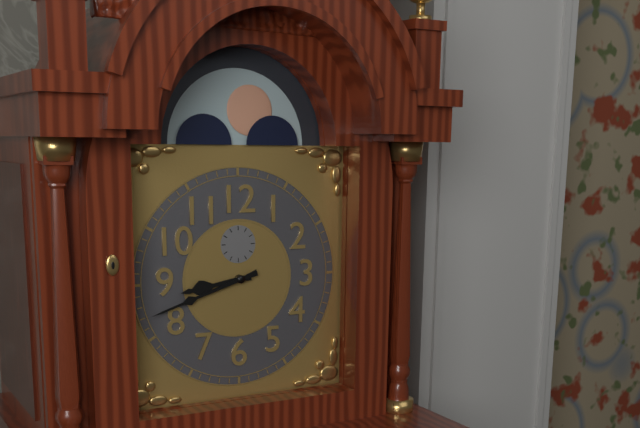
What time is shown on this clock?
8:42
